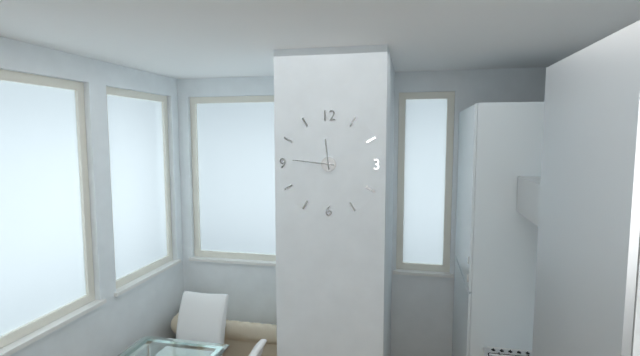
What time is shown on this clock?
11:46
